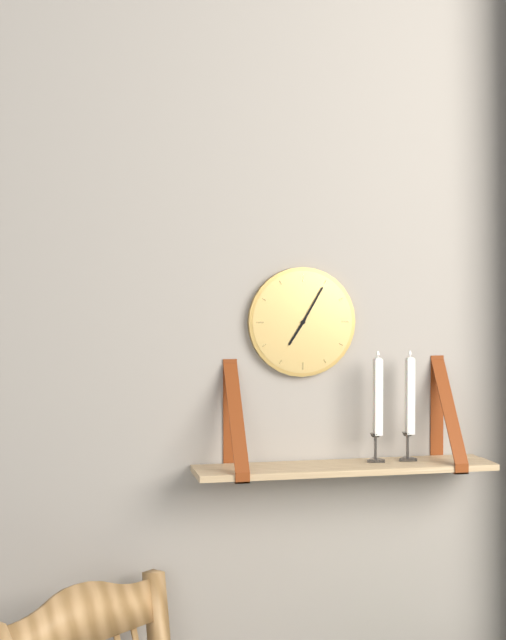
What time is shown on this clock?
7:05
